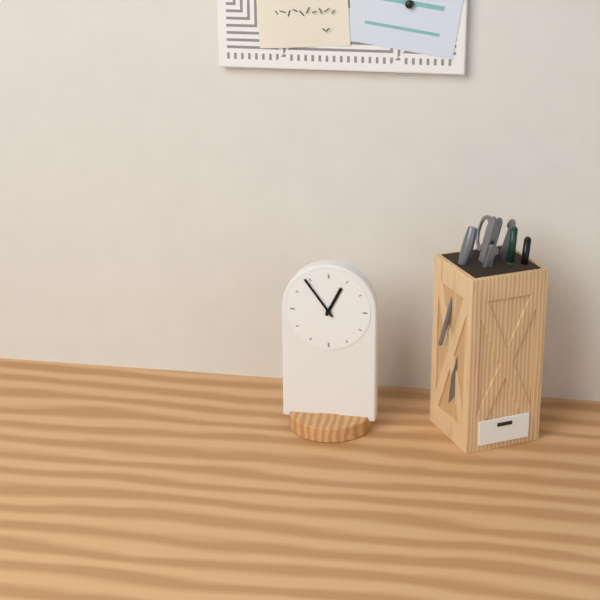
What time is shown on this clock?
12:54
